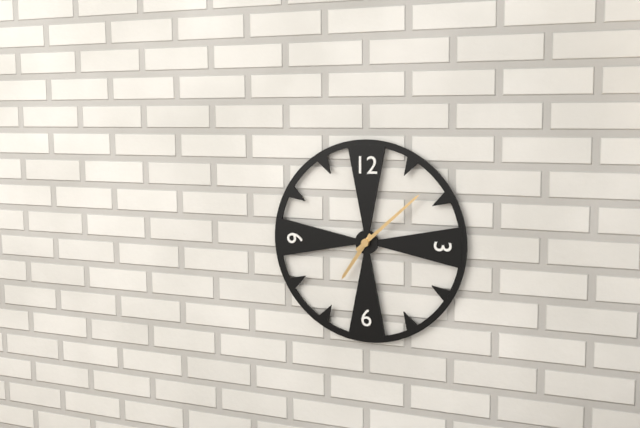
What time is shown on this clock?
7:08
